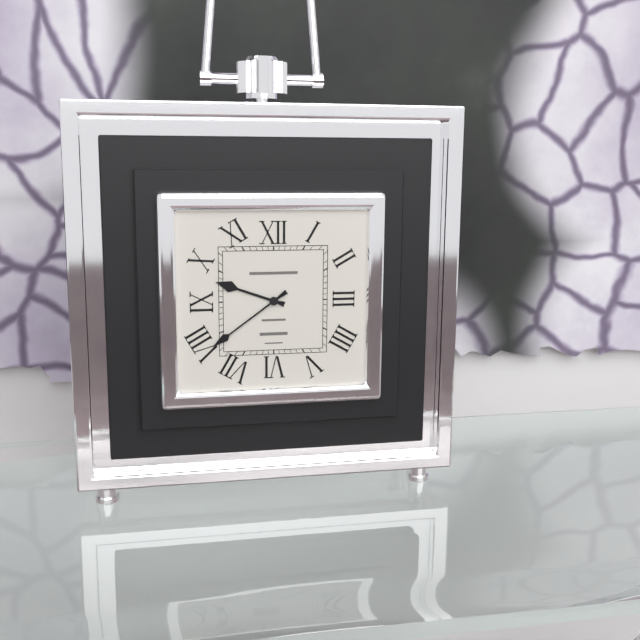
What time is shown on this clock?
9:39
